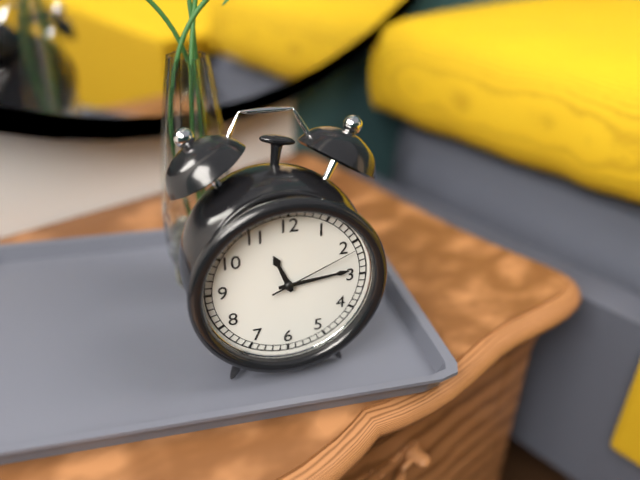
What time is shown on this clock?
11:14:11
